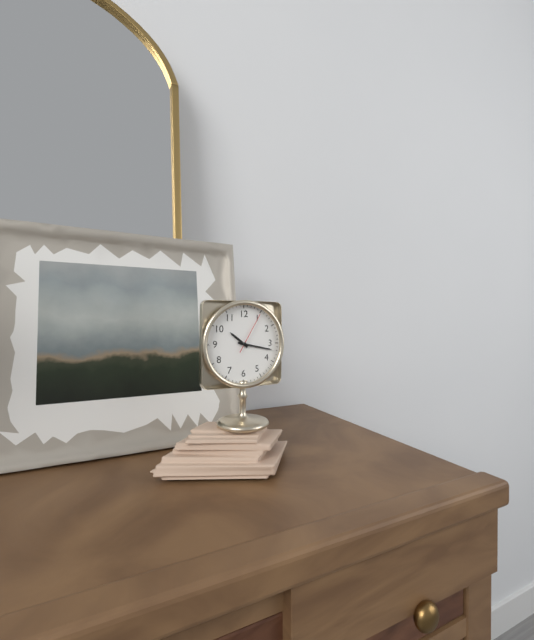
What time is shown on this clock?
10:17
